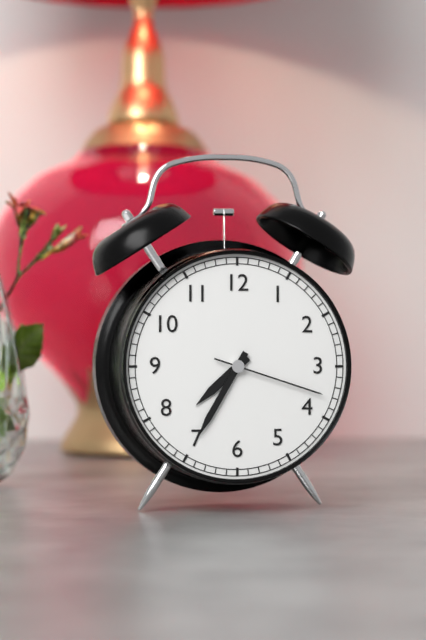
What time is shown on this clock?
7:35:18
